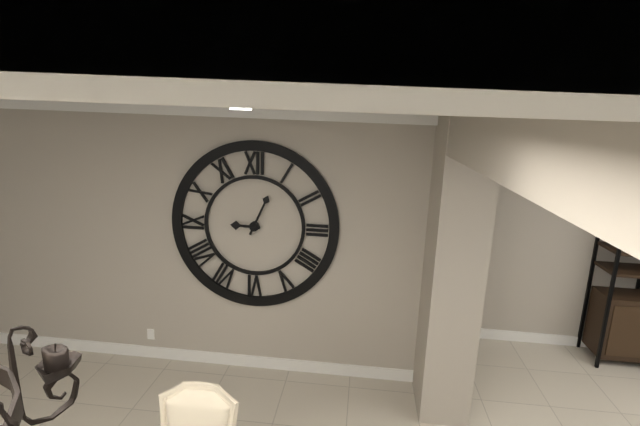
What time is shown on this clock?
9:04
